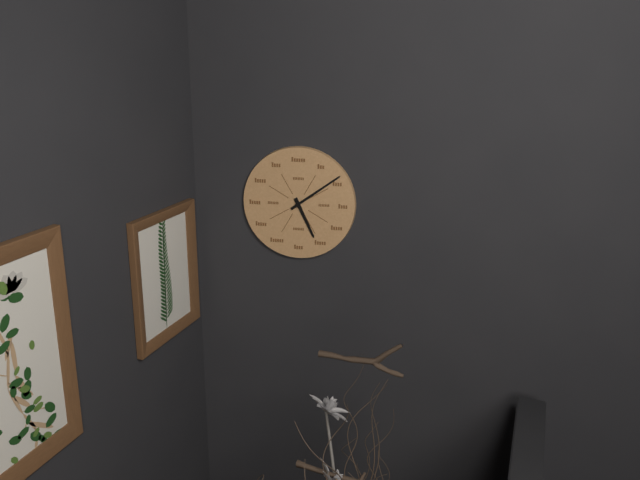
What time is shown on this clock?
5:09
